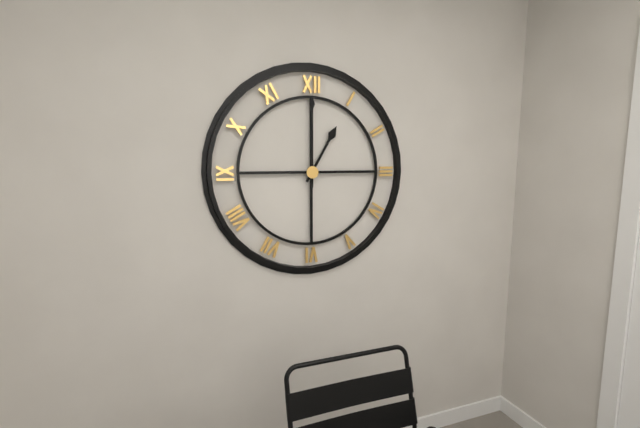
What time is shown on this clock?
1:00
